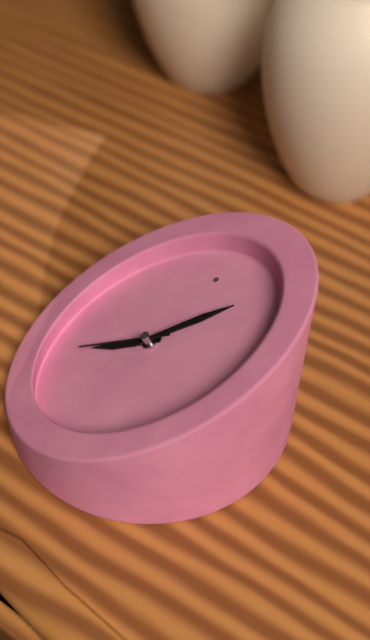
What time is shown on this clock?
9:13:46
